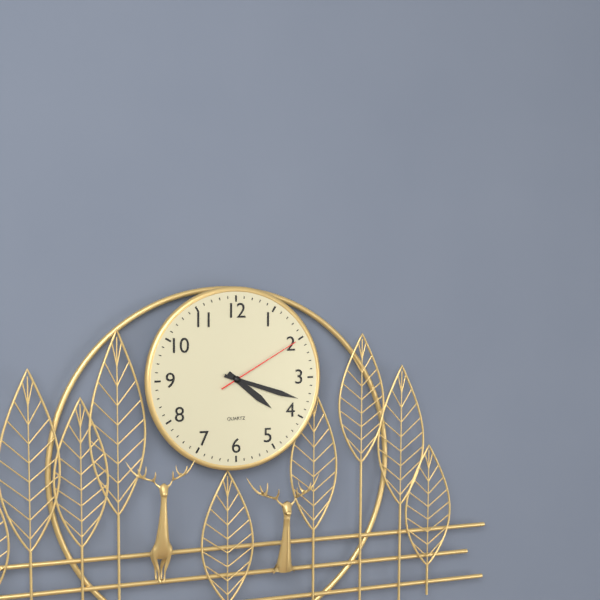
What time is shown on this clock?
4:18:10
